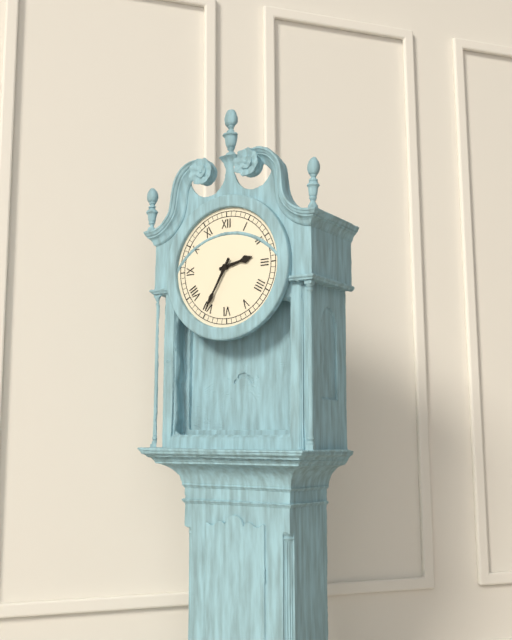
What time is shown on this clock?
2:35
